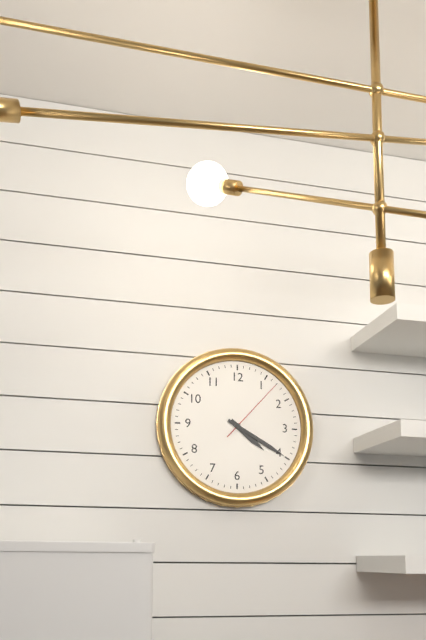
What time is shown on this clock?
4:20:07
